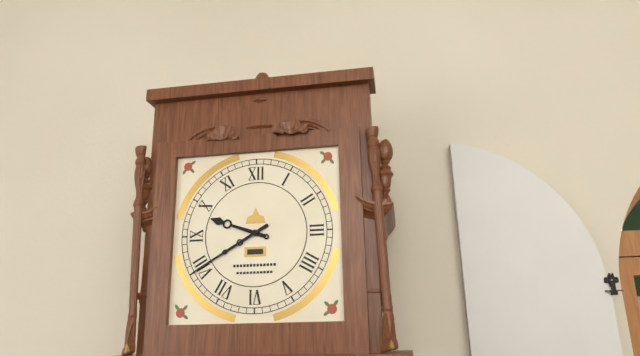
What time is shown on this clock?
9:40
